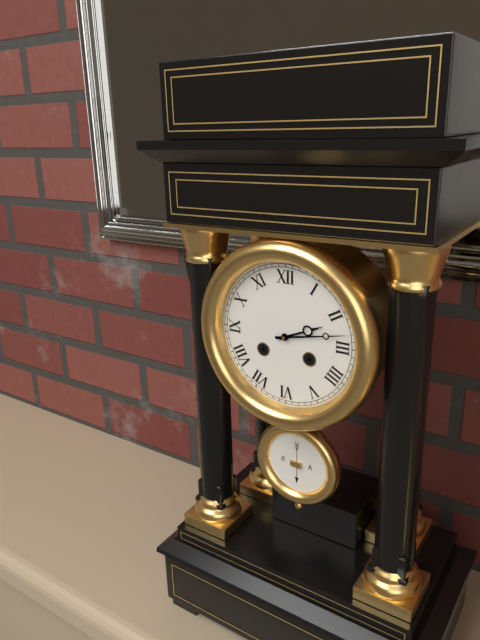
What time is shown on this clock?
2:13
